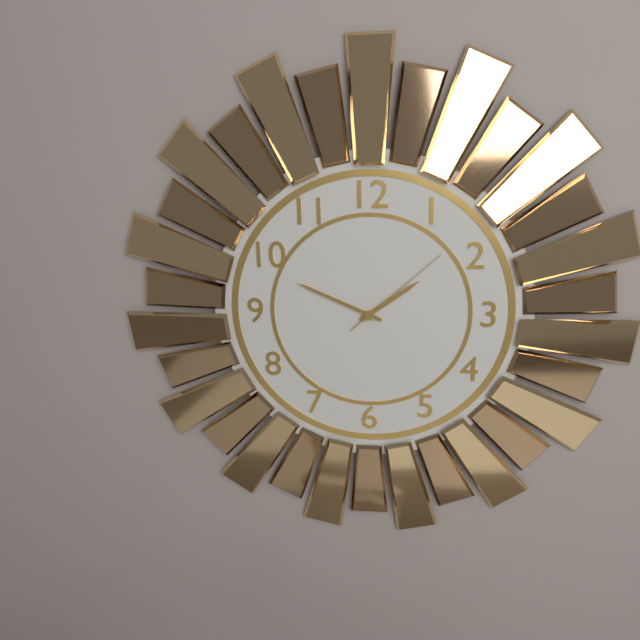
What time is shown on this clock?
1:49:08
